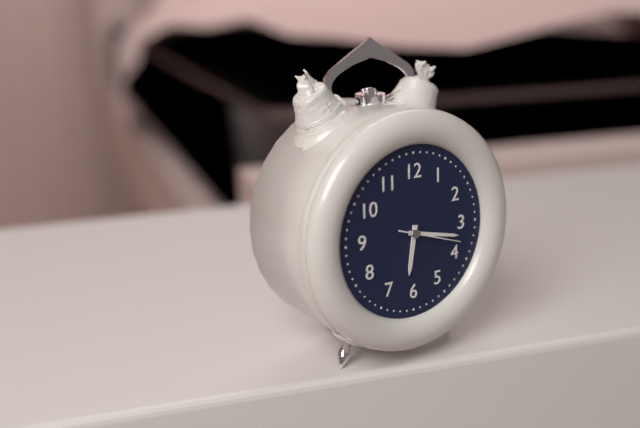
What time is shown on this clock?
6:17:18
